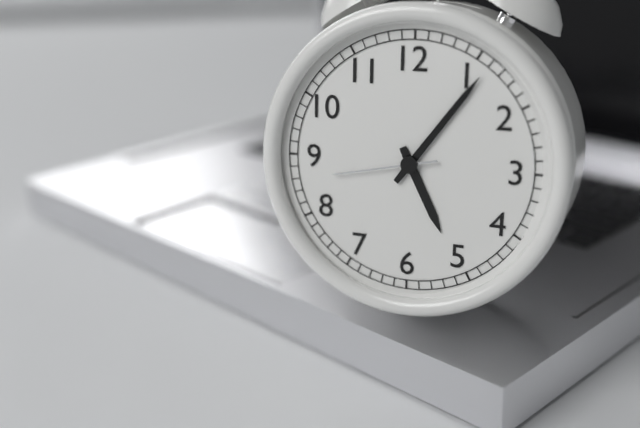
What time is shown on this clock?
5:06:43
